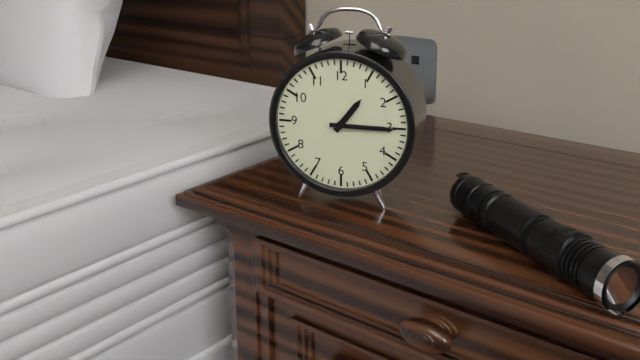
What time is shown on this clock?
1:15
